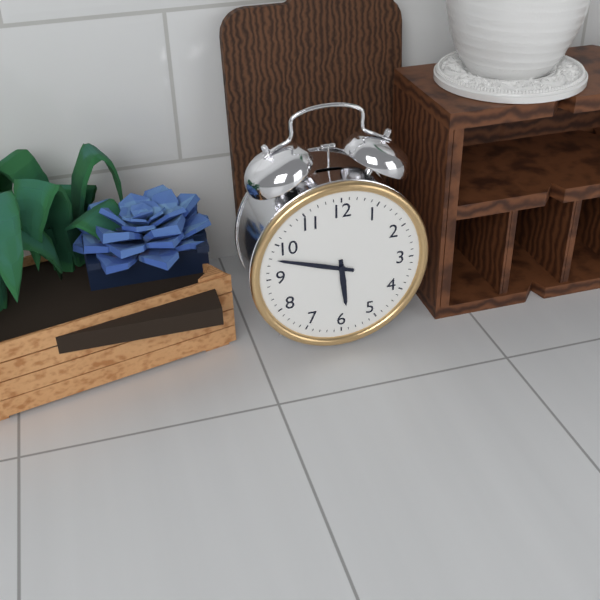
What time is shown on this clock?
5:48
